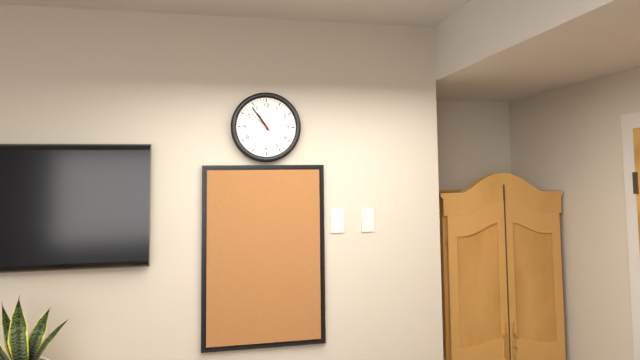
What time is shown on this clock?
10:54
